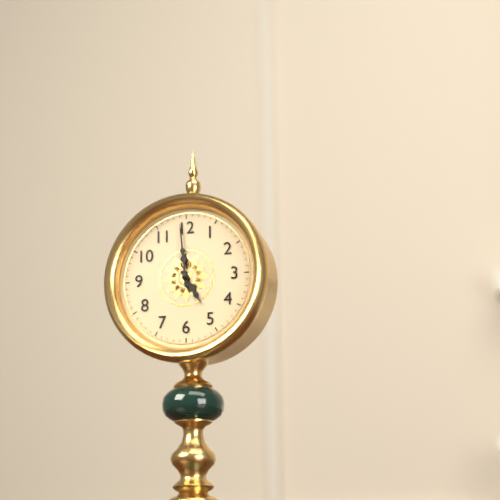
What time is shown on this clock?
4:59
